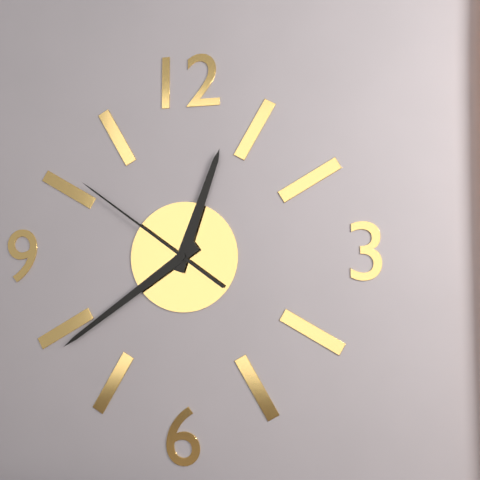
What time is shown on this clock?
12:39:51
